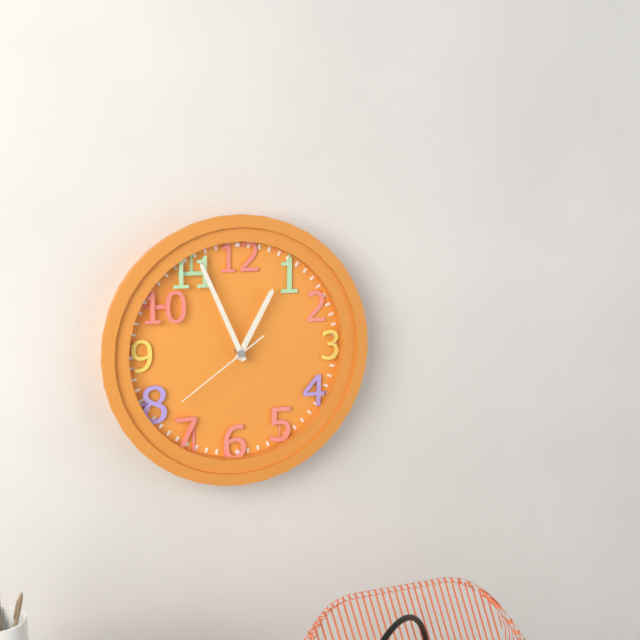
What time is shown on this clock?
12:56:39
